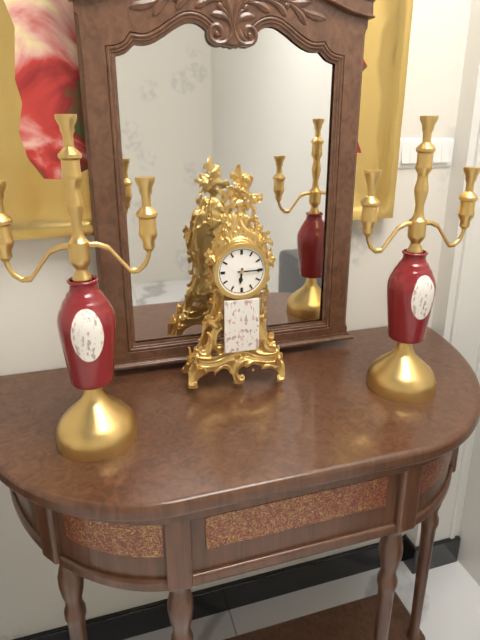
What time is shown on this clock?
6:15
